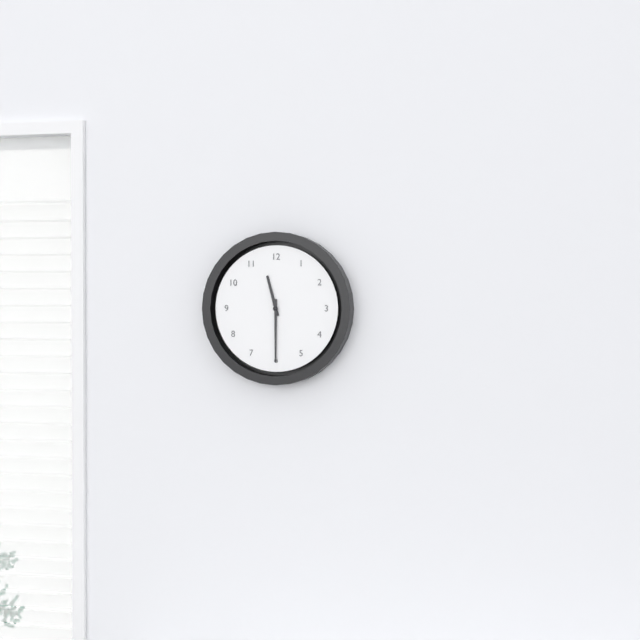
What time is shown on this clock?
11:30
